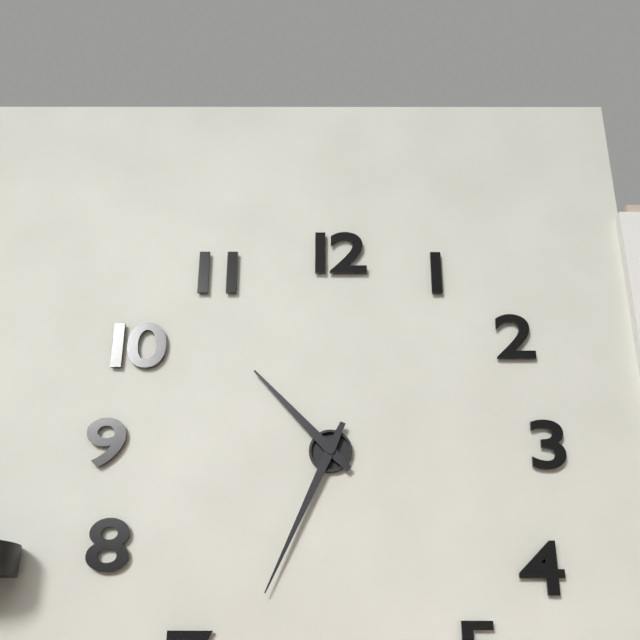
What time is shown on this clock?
10:34
